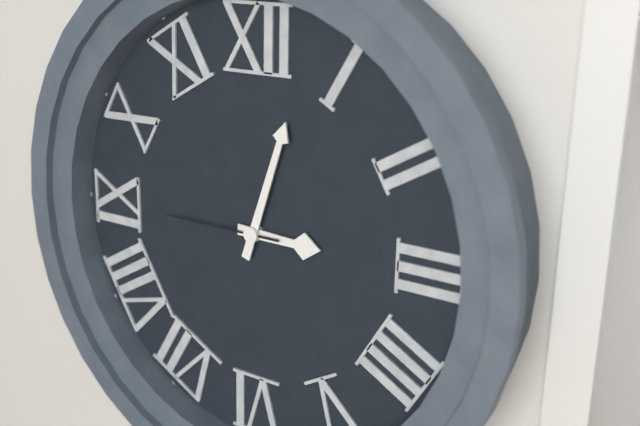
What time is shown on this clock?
3:03:45
